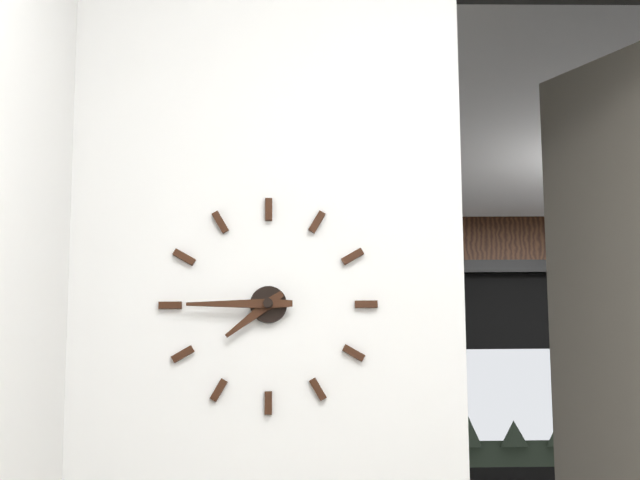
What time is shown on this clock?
7:45
